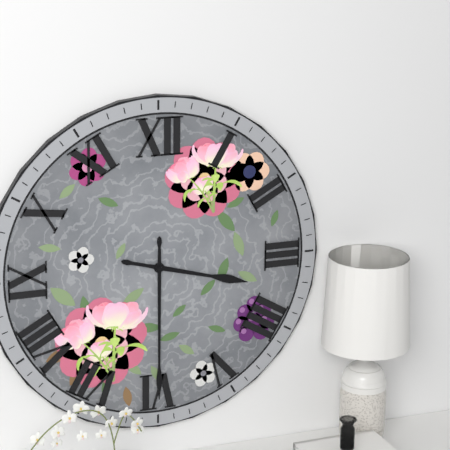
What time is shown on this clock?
3:30
